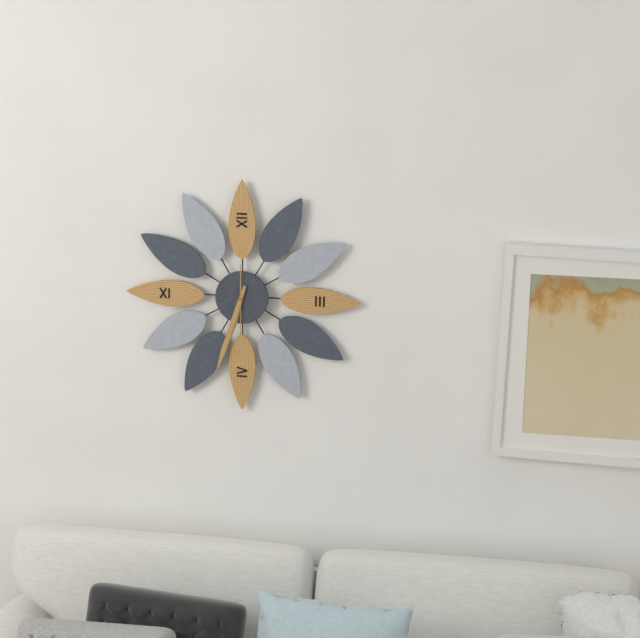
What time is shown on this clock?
6:33:30
